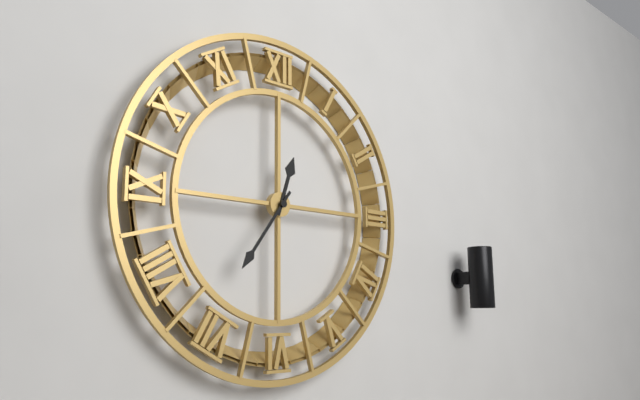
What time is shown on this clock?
12:36
